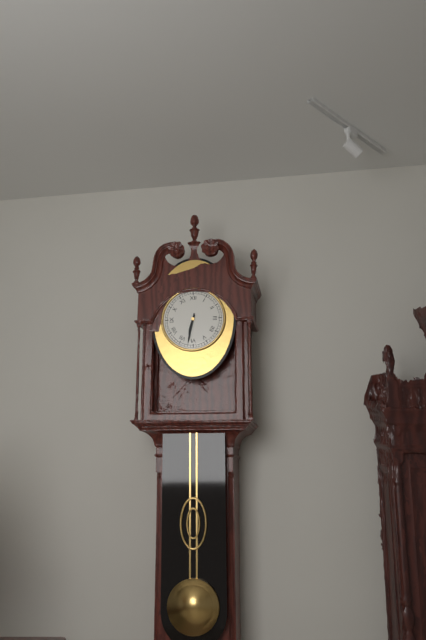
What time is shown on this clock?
6:32
